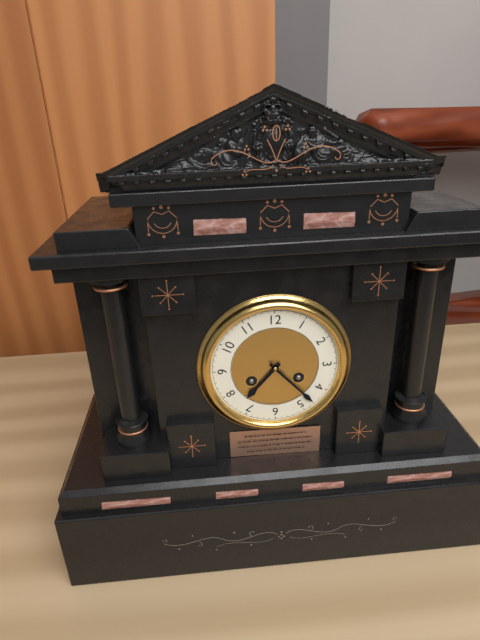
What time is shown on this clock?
7:23
